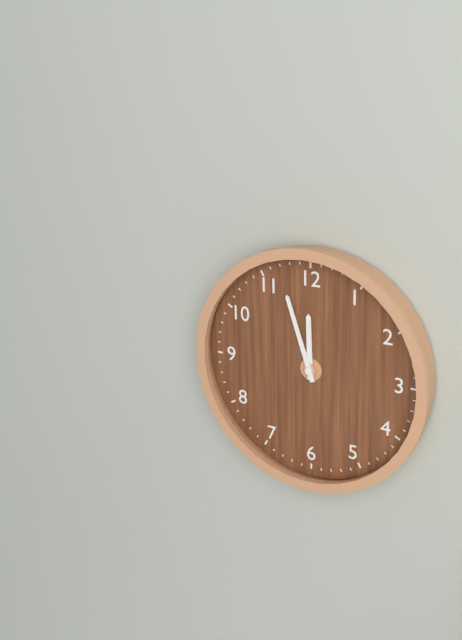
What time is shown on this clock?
11:57
